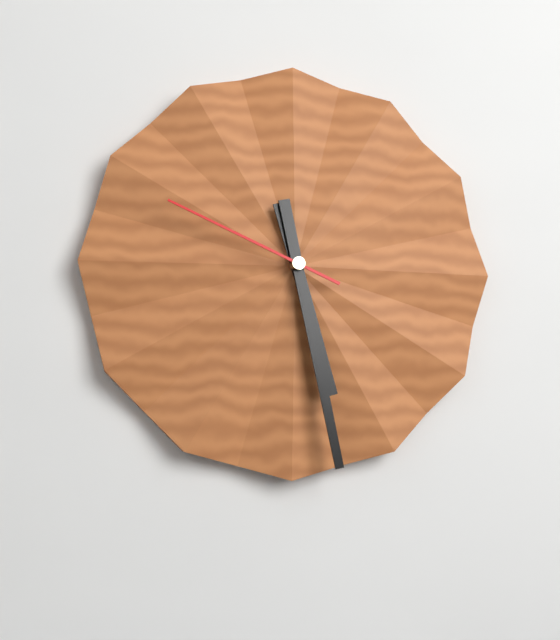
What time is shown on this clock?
5:28:49
